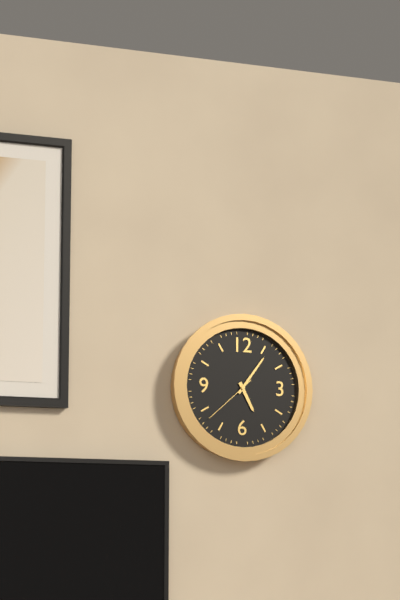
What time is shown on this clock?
5:06:38
